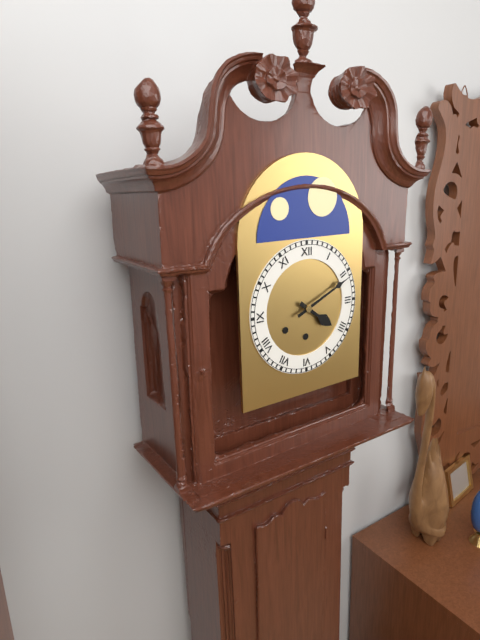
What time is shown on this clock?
4:11
